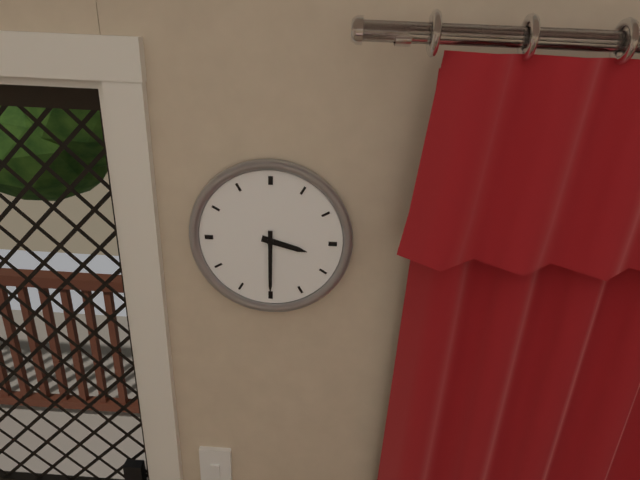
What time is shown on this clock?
3:30
